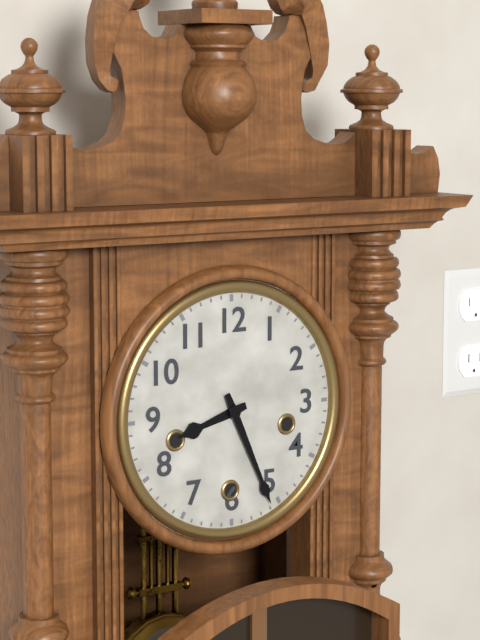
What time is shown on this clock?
8:26
